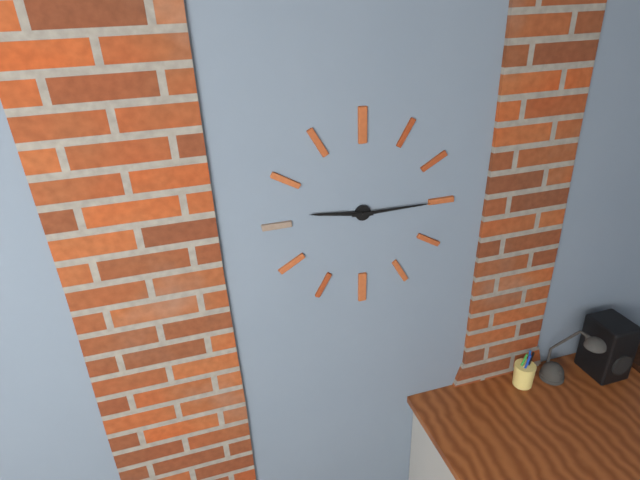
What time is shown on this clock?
9:15
